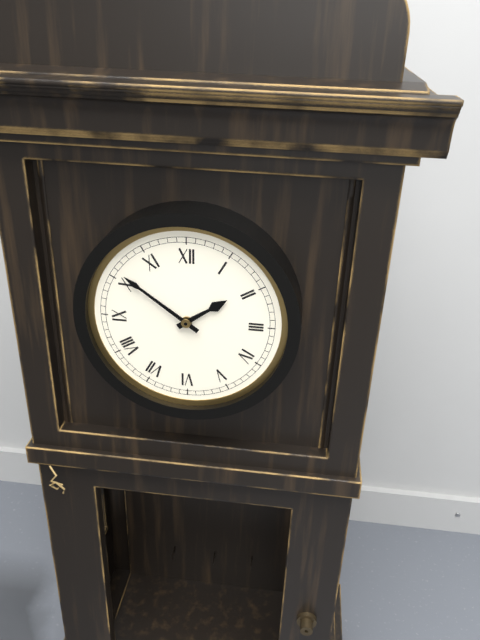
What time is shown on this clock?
1:51
